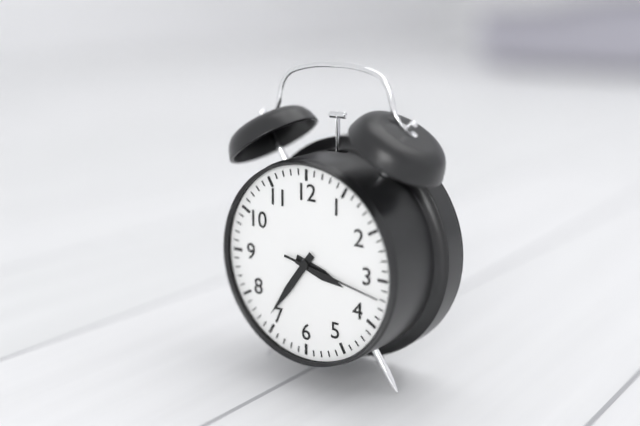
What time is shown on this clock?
3:36:17
